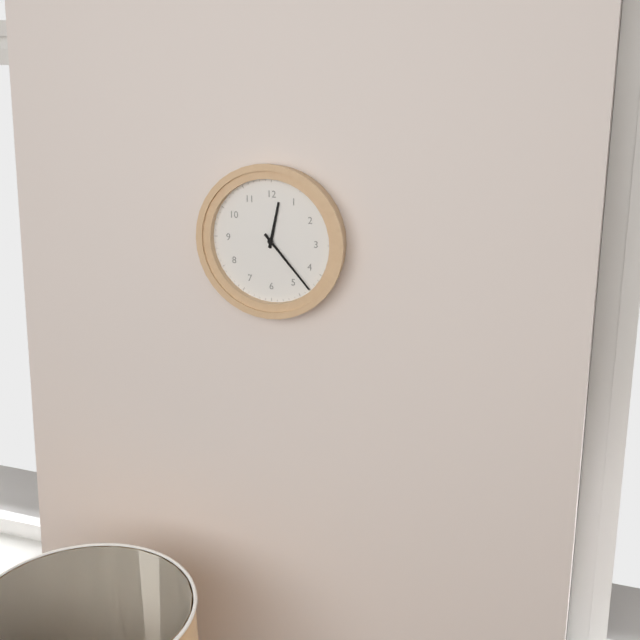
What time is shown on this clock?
12:23
